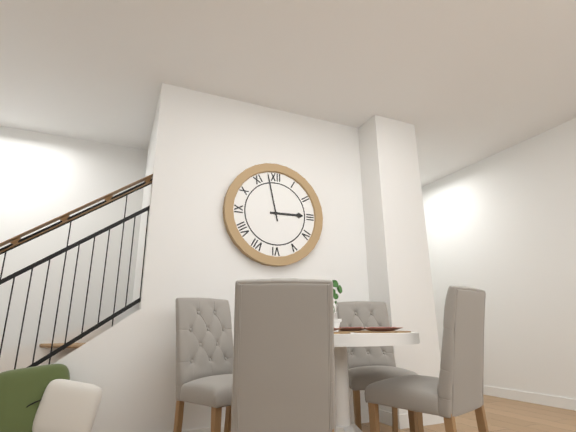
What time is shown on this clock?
2:58
